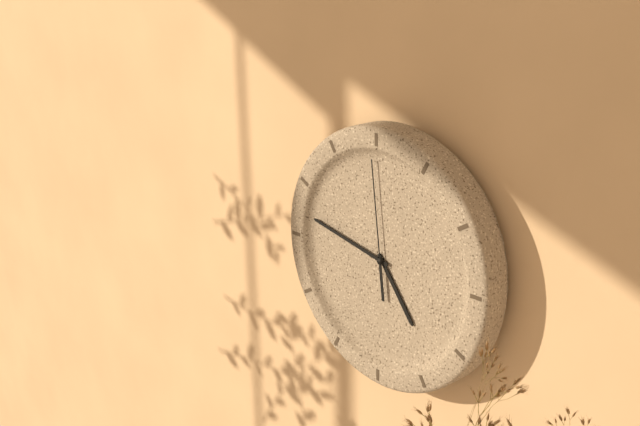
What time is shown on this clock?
4:47:59
